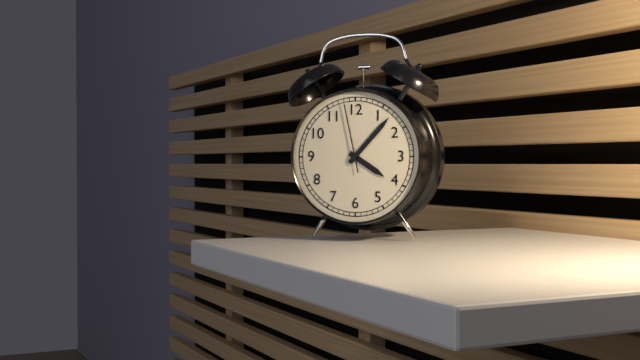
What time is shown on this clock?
4:07:58
